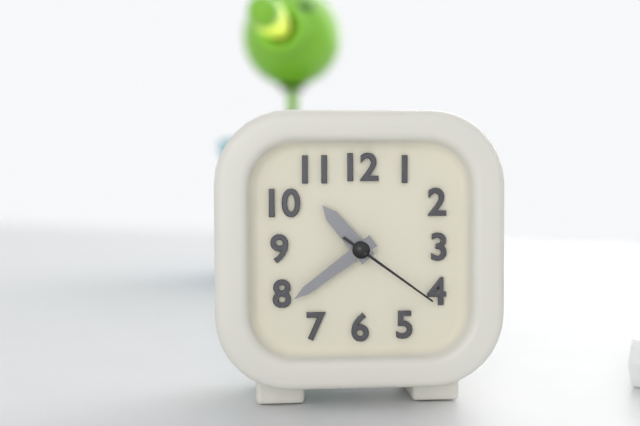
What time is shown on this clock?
10:39:21
